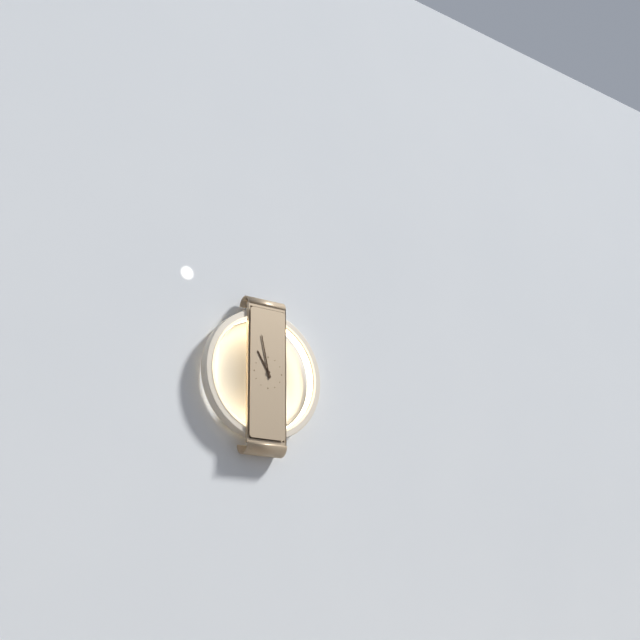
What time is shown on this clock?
10:58
